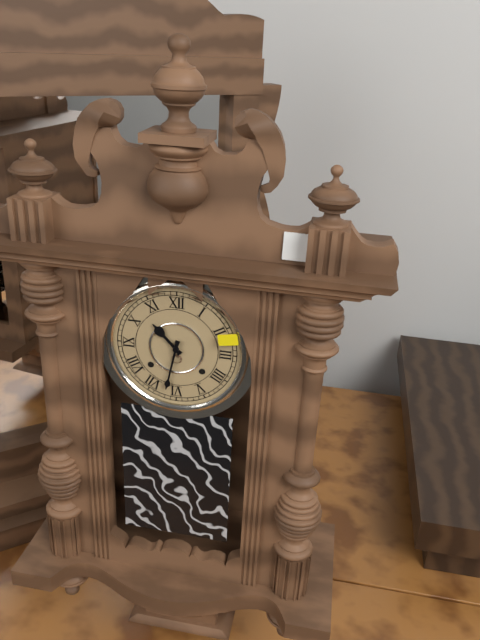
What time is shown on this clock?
10:32
